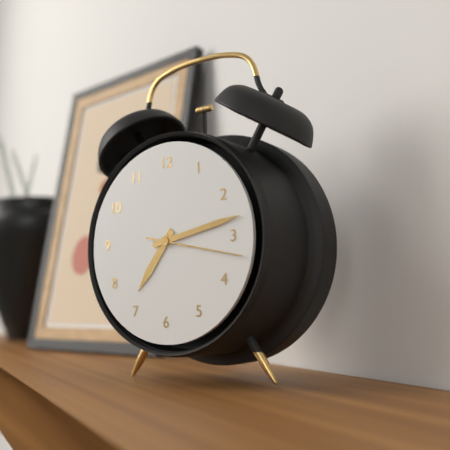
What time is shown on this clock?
7:13:17
